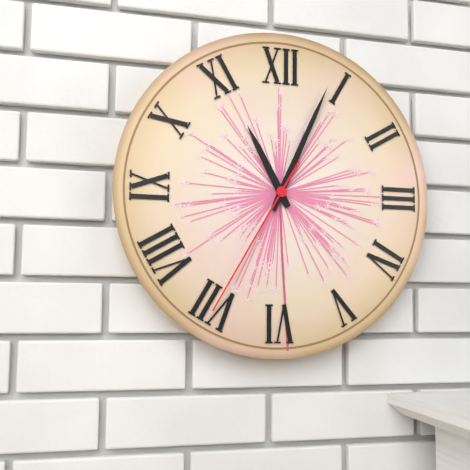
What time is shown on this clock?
11:04:35
